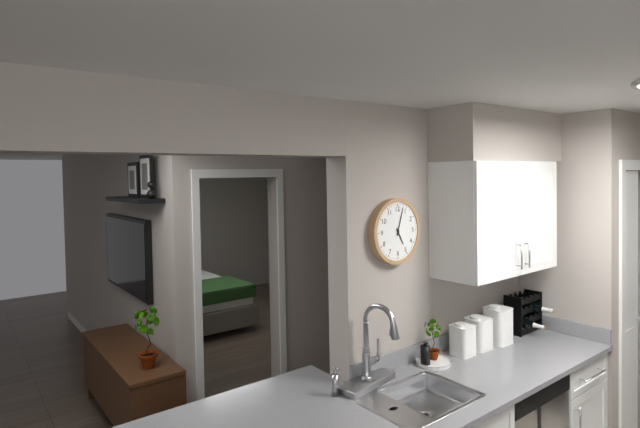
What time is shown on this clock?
5:03
